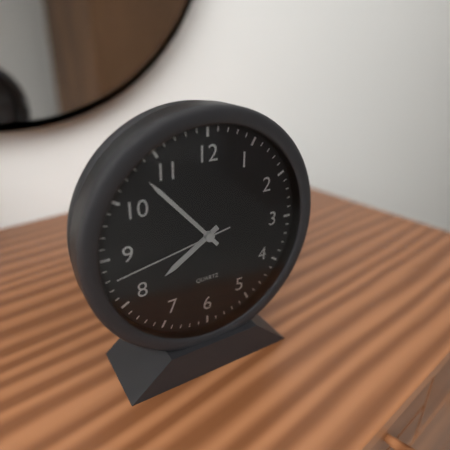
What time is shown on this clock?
7:53:43
